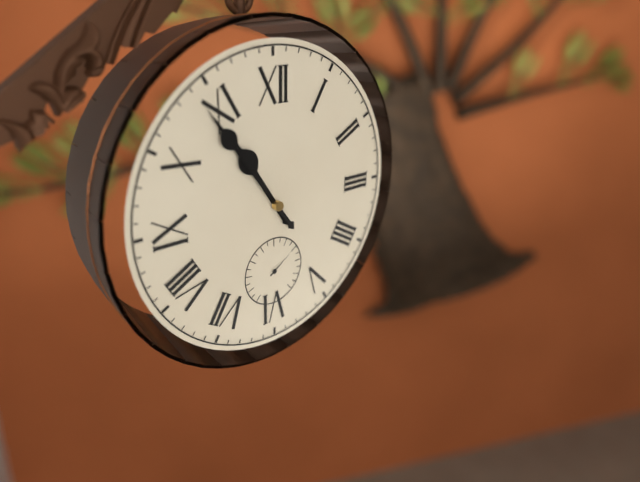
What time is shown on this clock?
10:54
